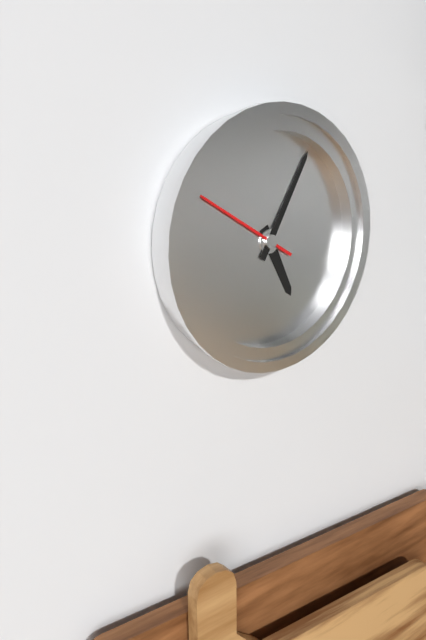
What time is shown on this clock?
5:05:50
